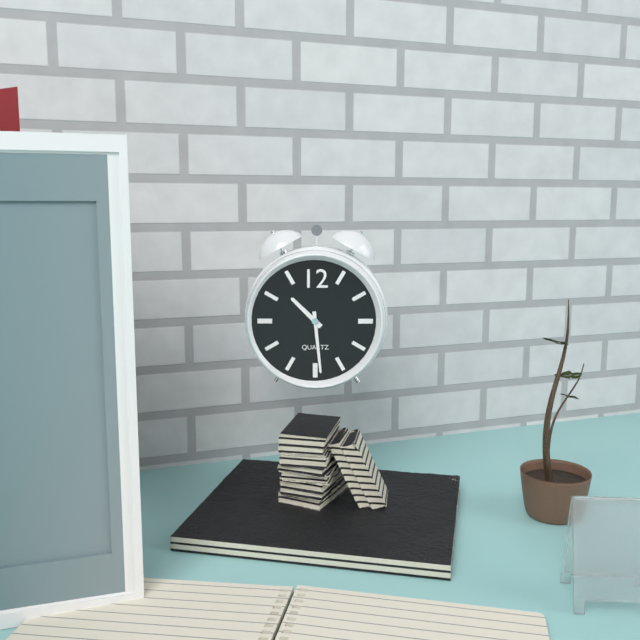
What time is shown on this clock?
10:29
